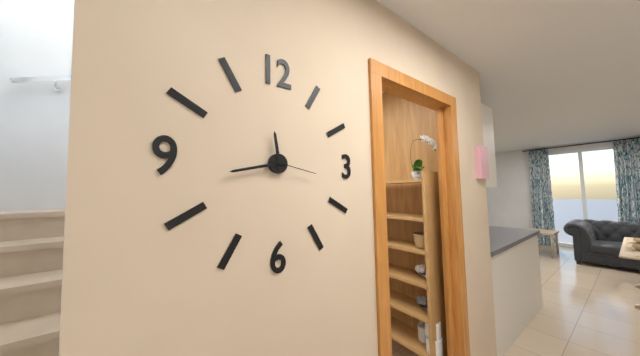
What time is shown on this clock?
11:43
